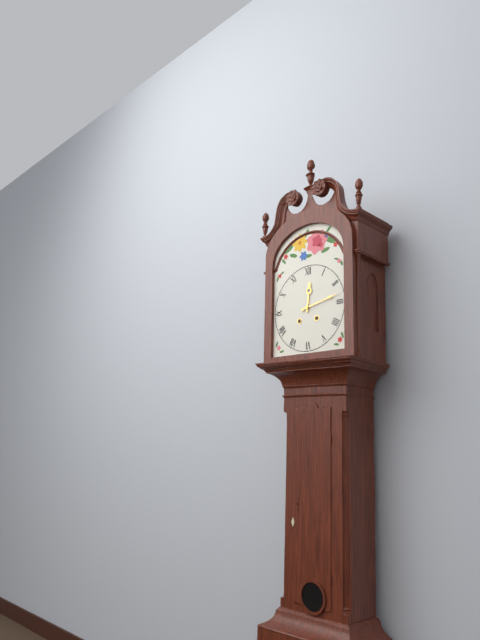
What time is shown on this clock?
12:13
